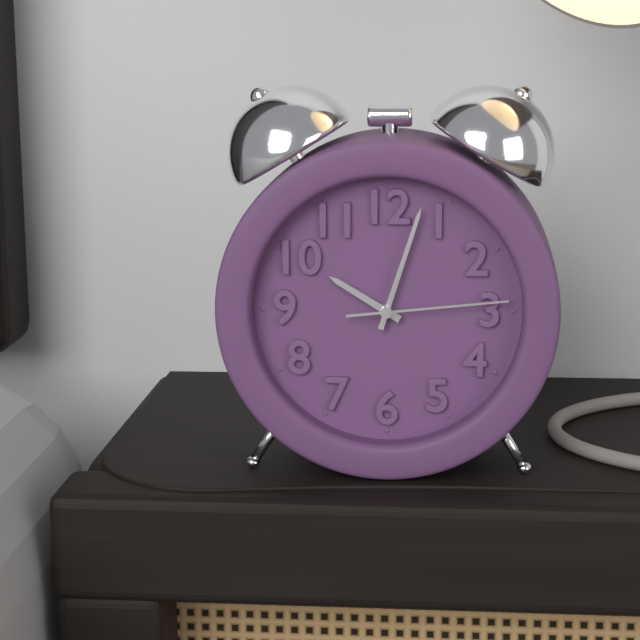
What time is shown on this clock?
10:03:14
